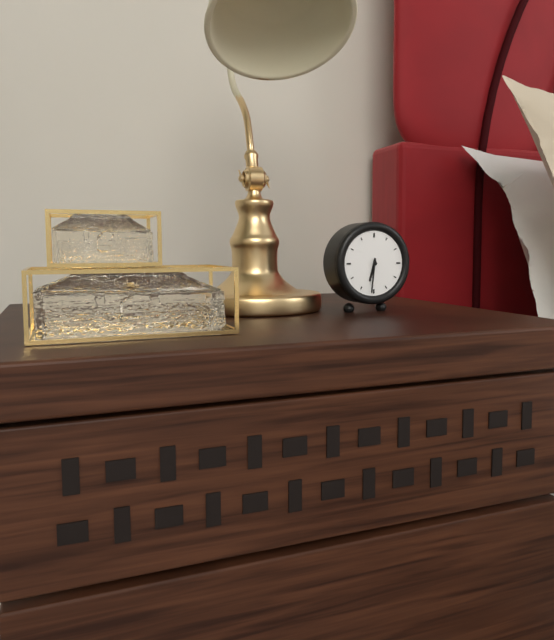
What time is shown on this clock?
6:31
